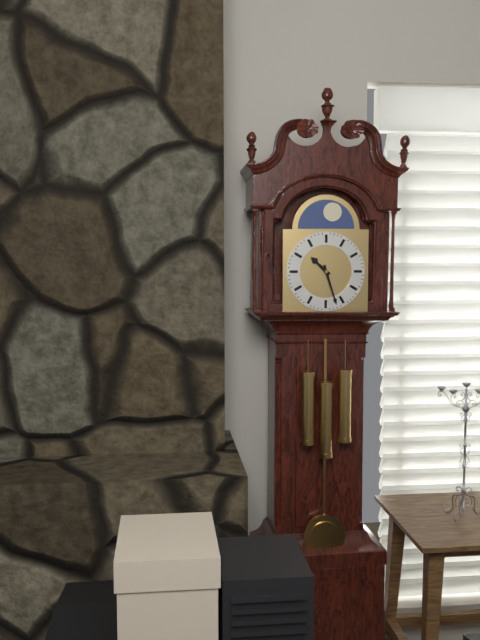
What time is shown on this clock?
10:27
